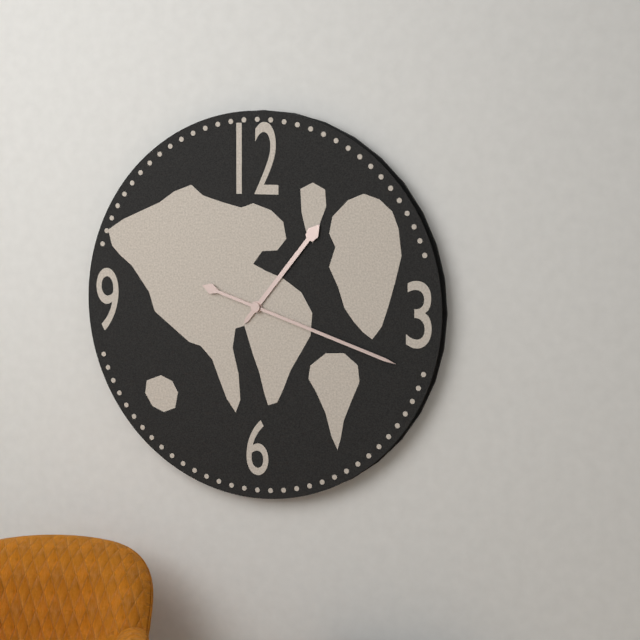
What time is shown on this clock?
1:18
